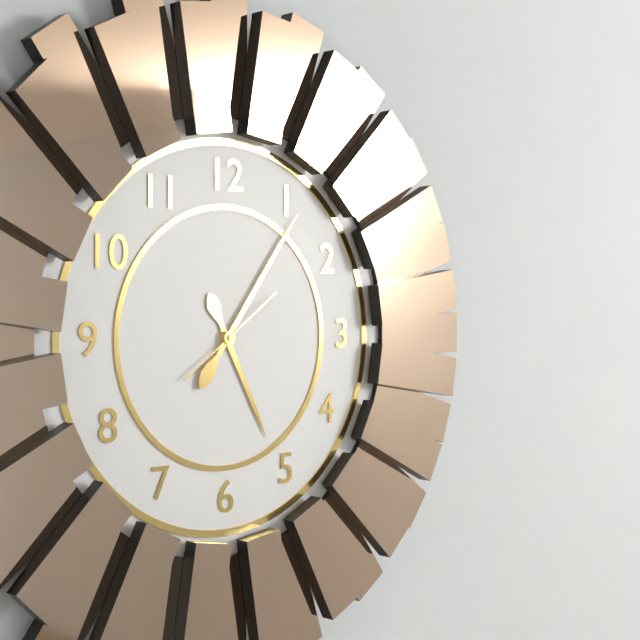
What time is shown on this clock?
5:06:09
